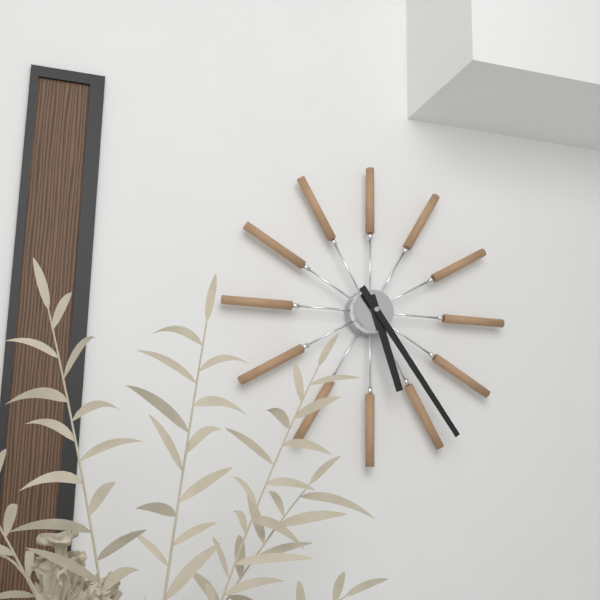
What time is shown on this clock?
5:24
